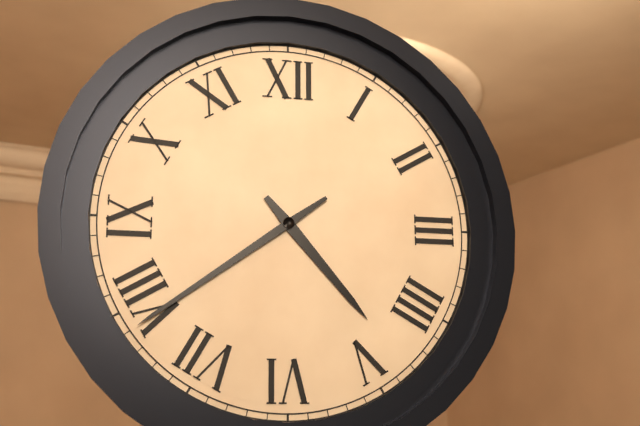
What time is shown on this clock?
4:39
